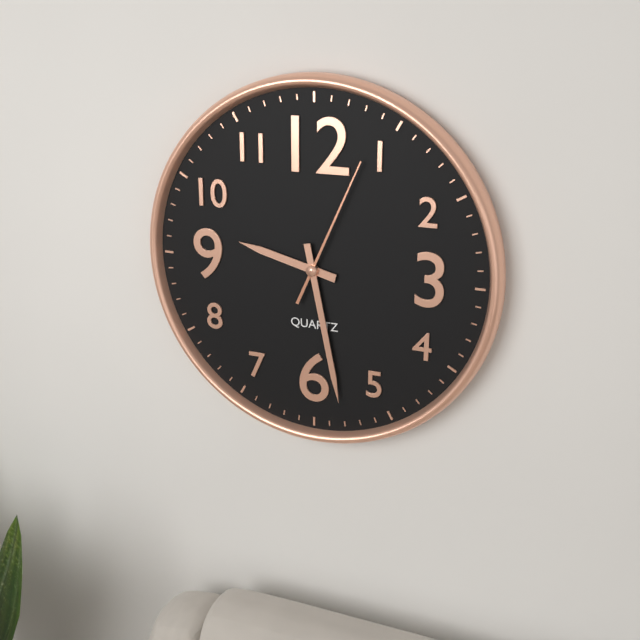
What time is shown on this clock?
9:28:04
